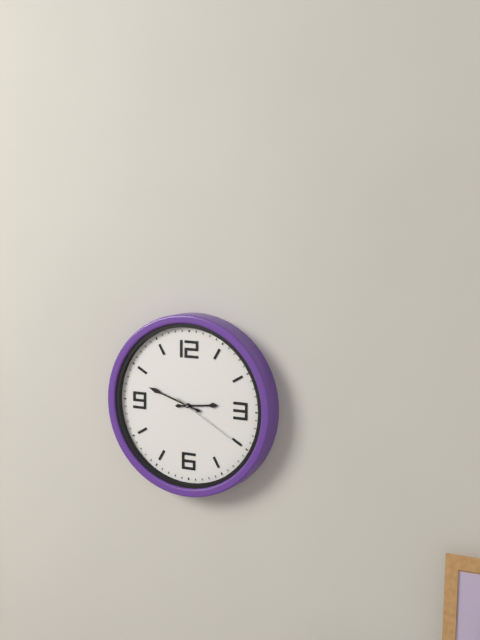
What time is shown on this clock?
2:48:20
